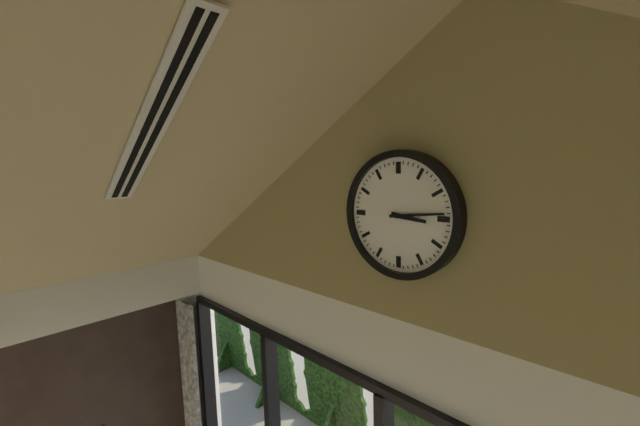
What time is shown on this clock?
3:14
